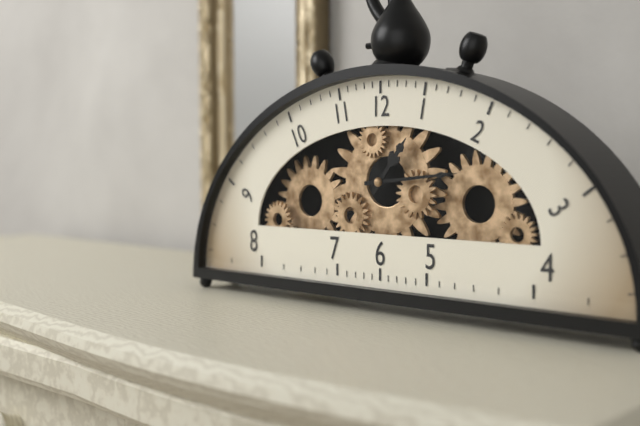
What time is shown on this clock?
1:14
